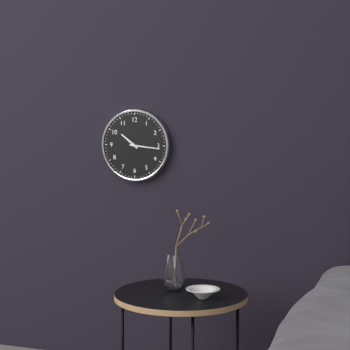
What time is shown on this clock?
10:16
